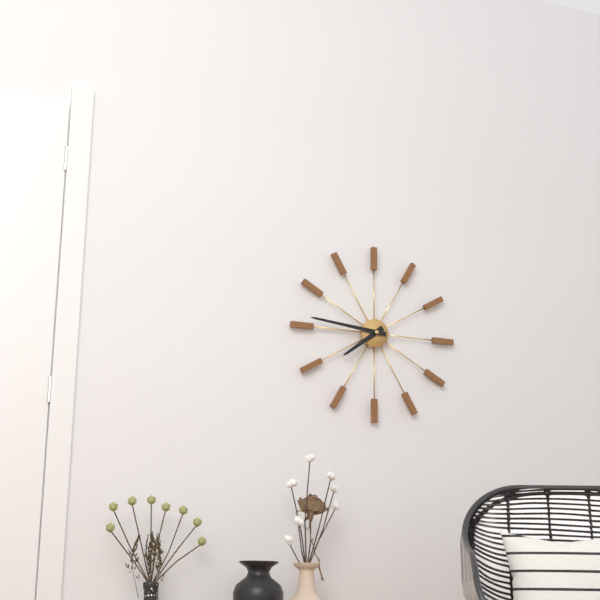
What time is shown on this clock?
7:46
